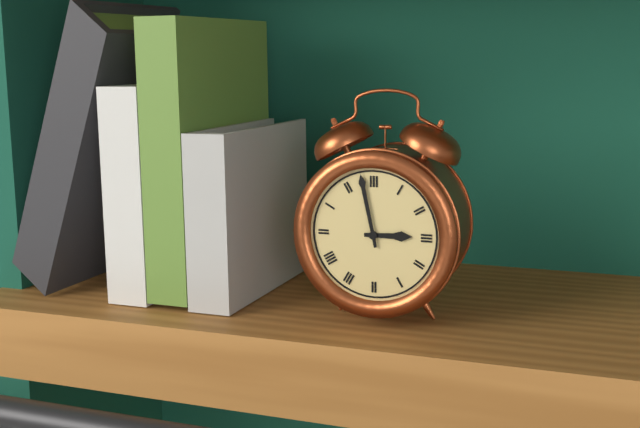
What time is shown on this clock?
2:58
